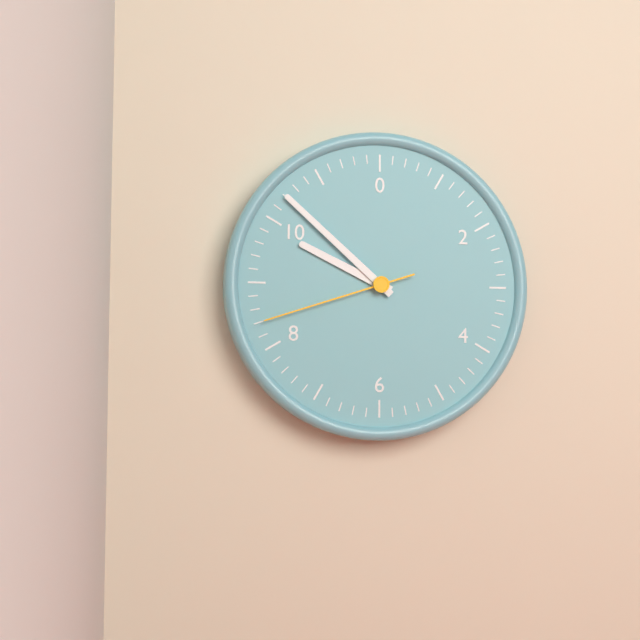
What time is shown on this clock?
9:52:42
